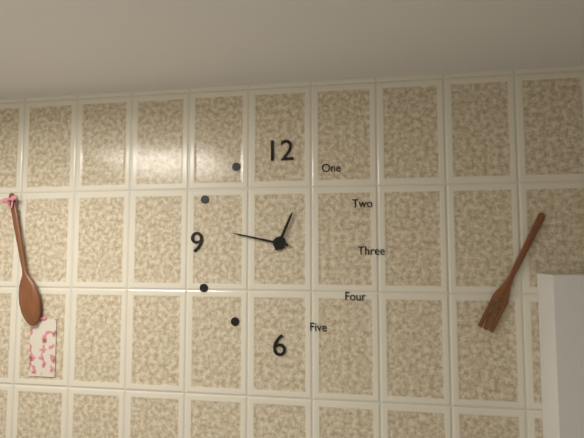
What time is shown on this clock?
12:47
